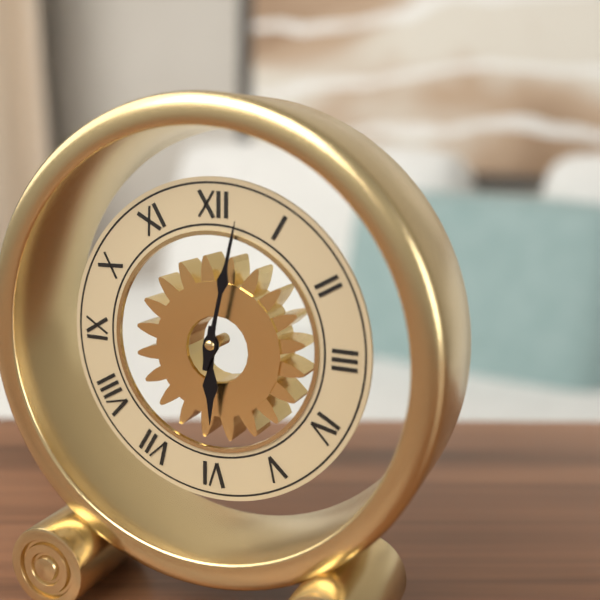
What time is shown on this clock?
6:02
